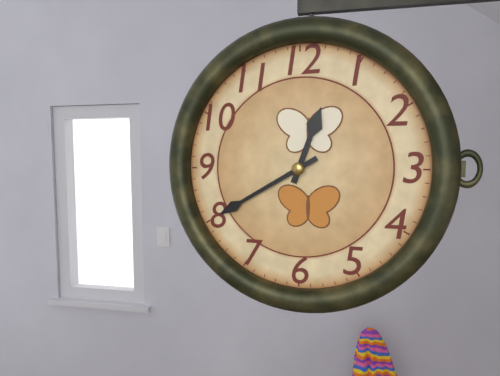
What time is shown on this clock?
12:40
